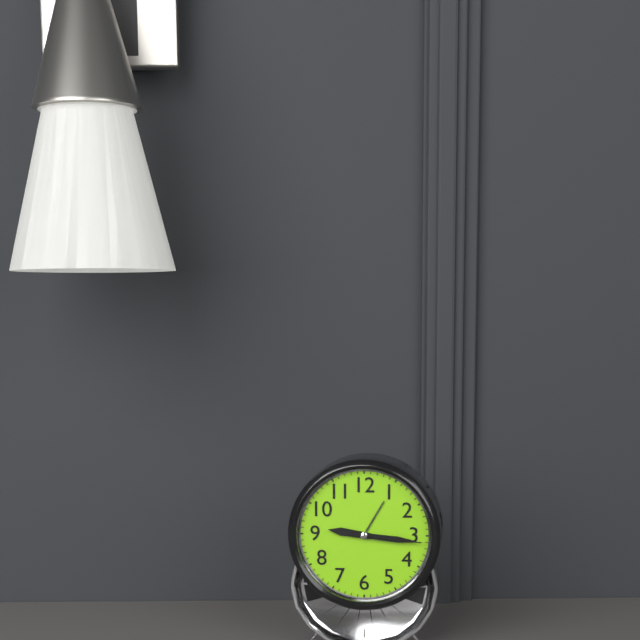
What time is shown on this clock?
9:16:16
